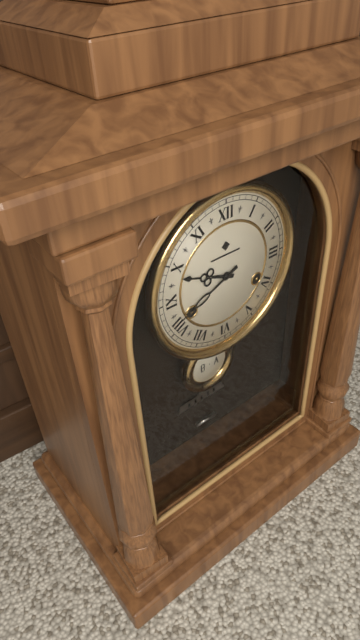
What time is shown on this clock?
9:41
